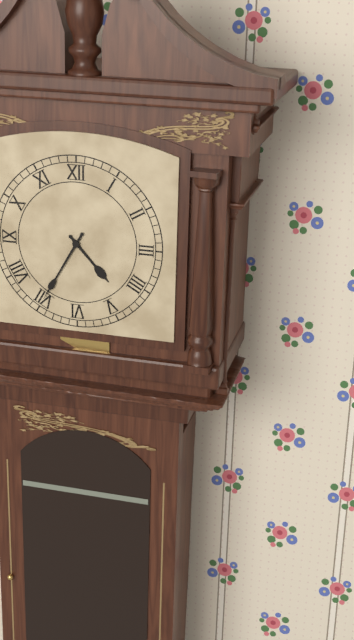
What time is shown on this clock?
4:35
